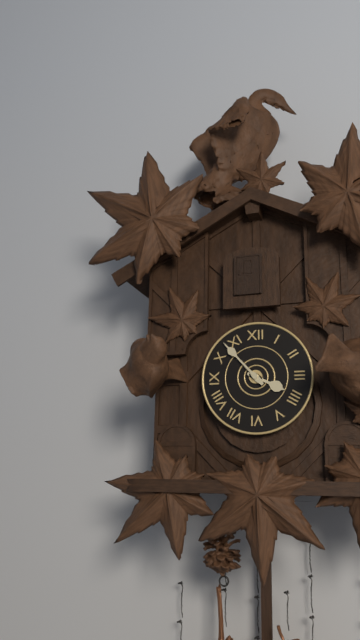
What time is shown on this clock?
3:53
